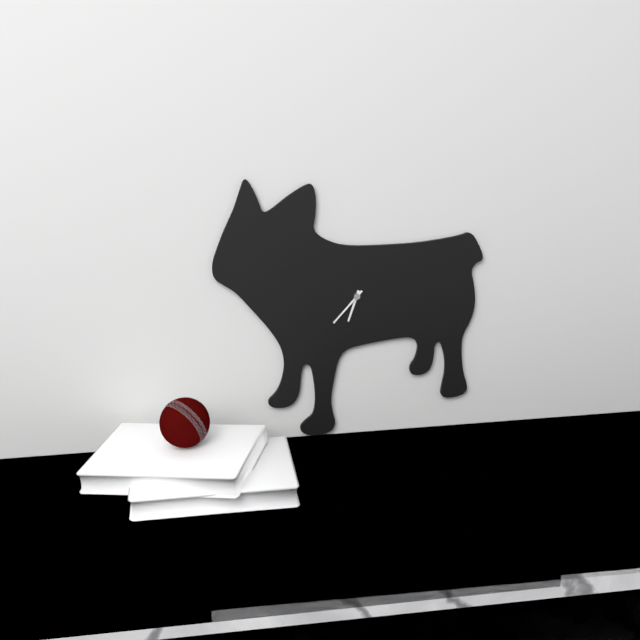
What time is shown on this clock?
6:37
